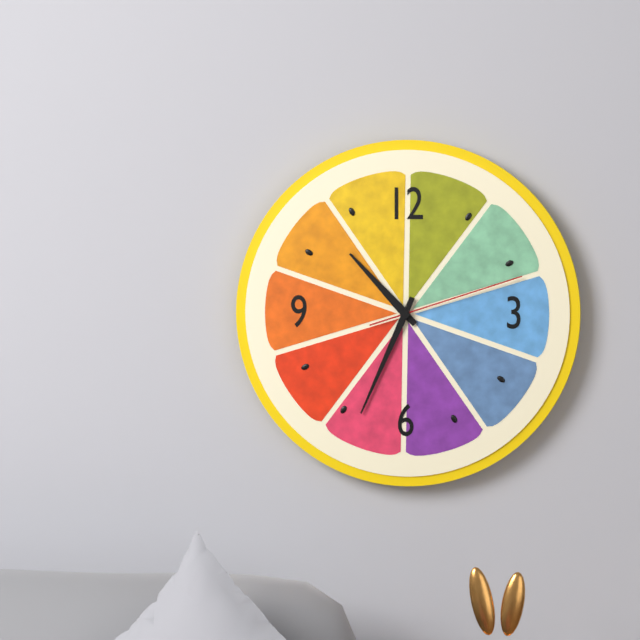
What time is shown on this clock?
10:34:12
